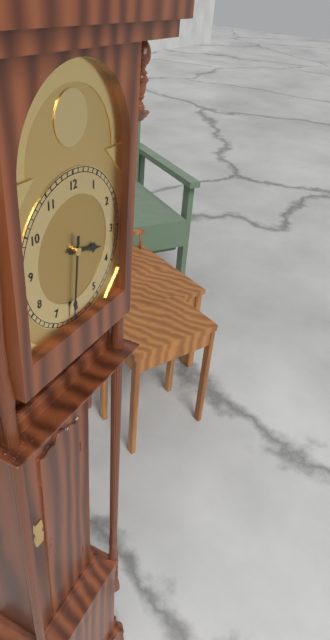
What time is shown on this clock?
3:31
